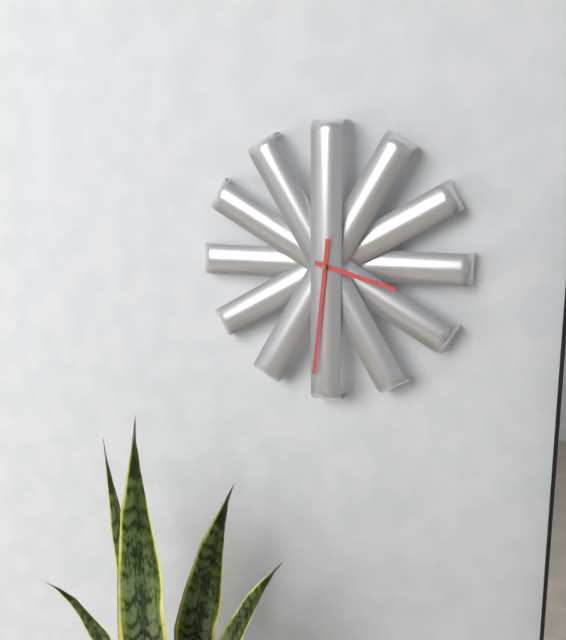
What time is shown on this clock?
3:31
